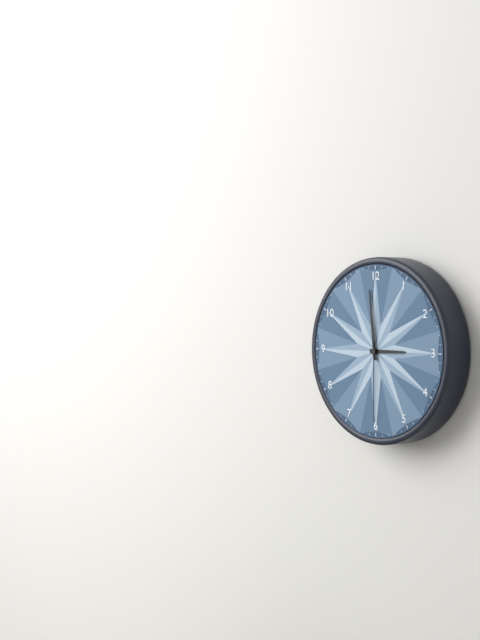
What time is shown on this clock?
2:59:30
